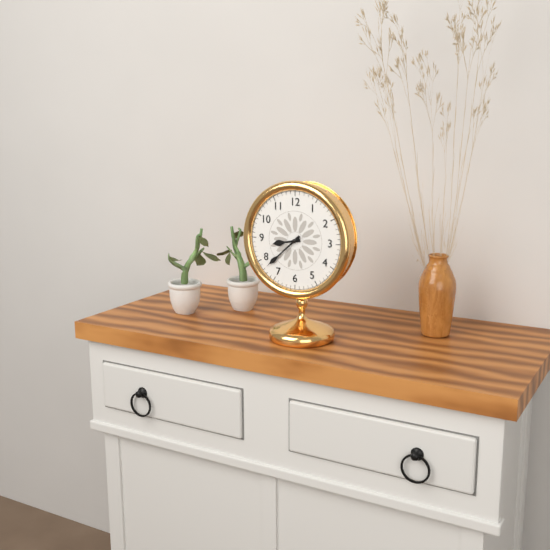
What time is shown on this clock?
8:38
